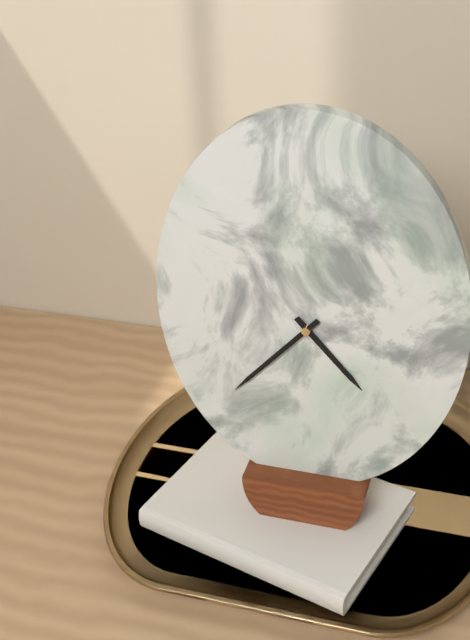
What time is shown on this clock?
4:37
